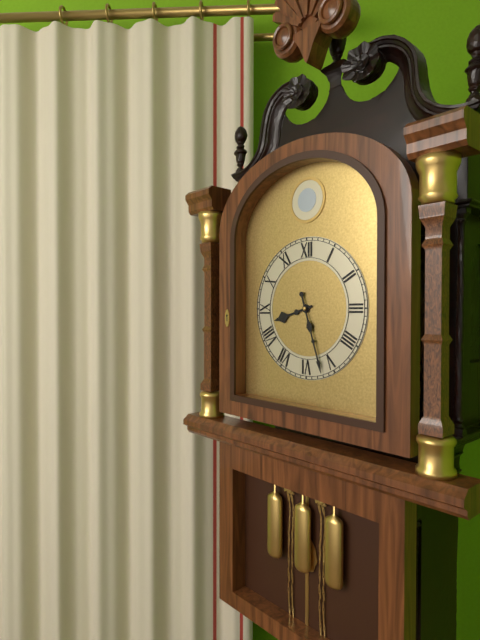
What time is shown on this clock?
8:27
